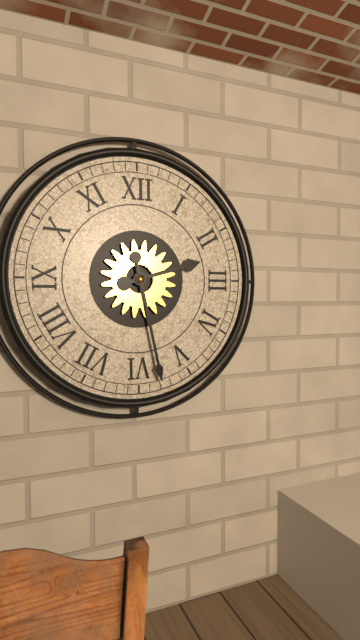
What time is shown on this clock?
2:28
